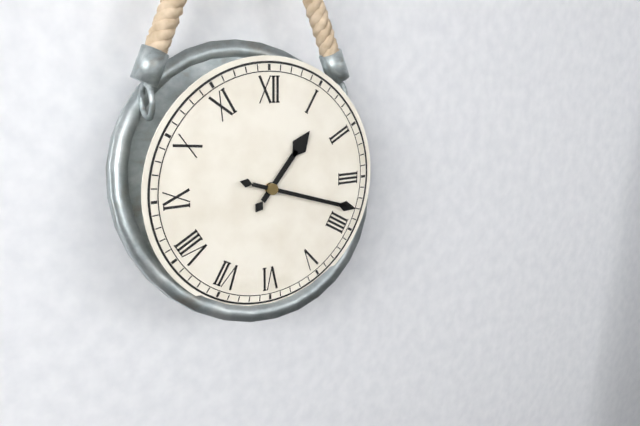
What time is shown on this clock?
1:18
